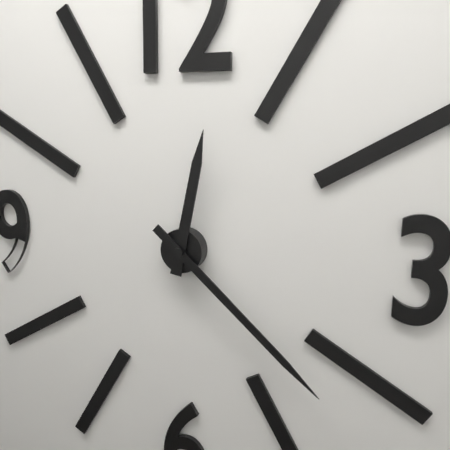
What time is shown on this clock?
12:22
